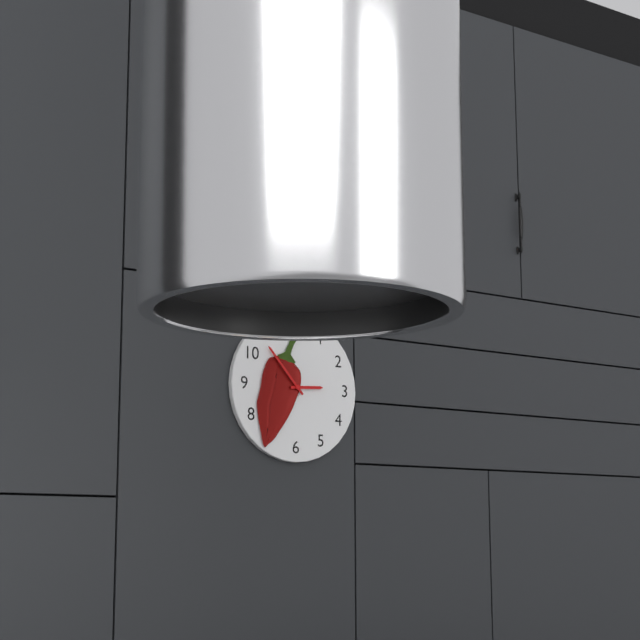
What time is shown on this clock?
2:53
